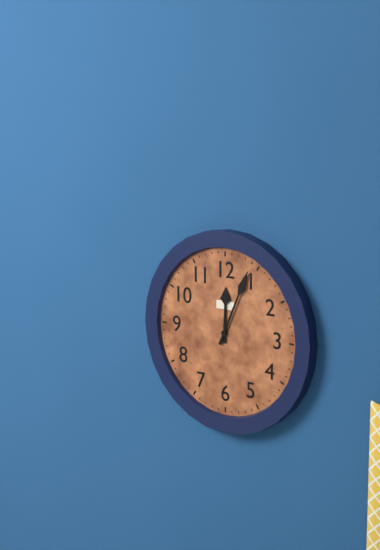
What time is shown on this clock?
12:04
